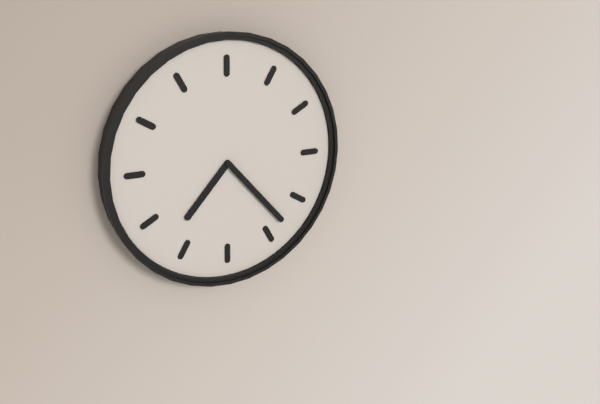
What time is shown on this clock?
7:23
